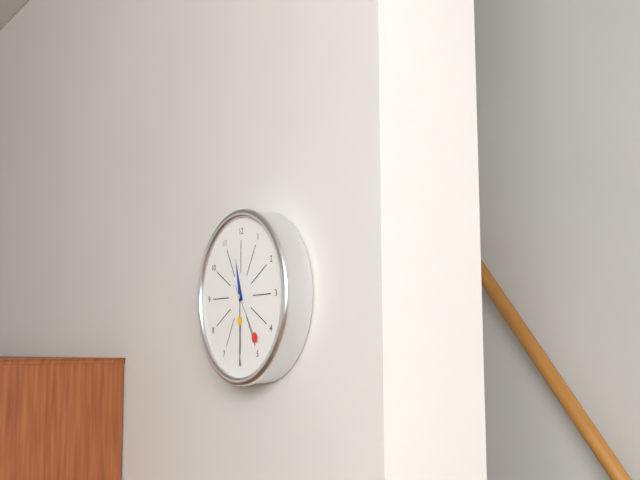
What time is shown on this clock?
11:30:24
